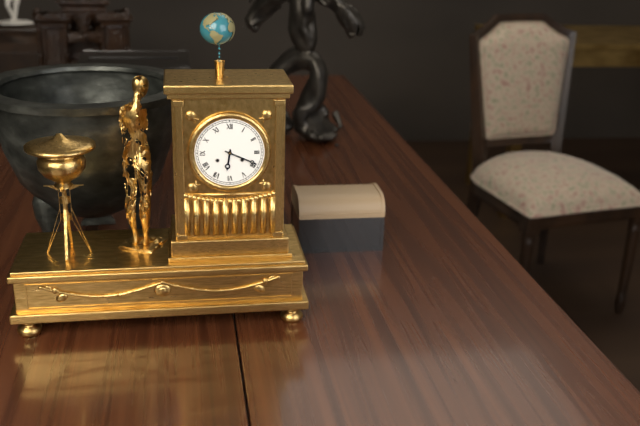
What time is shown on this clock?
6:19
